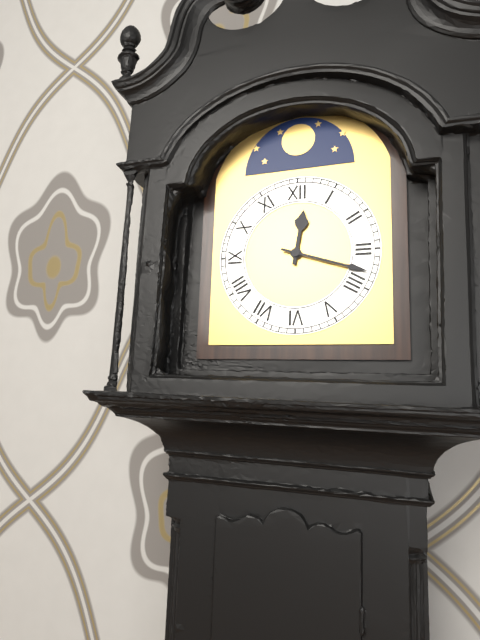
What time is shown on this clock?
12:18
